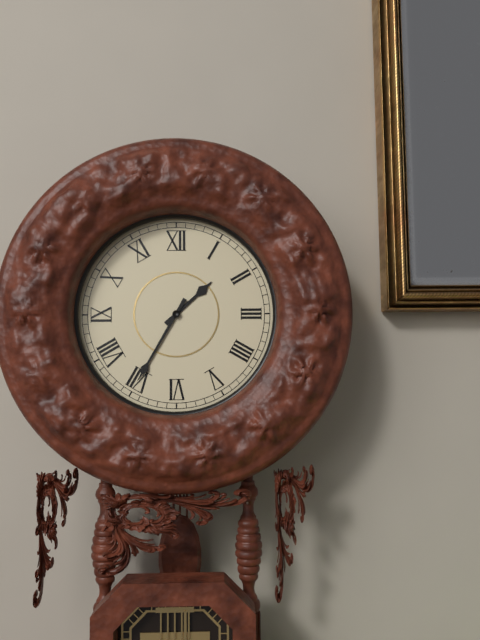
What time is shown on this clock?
1:35
